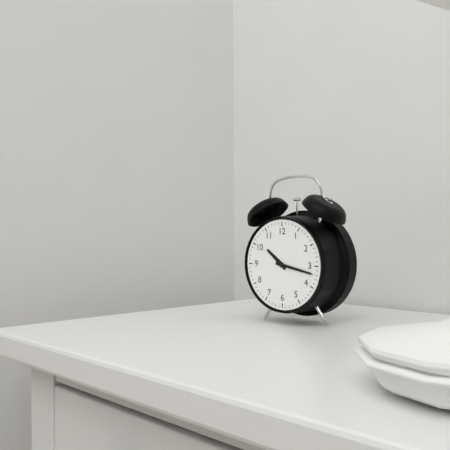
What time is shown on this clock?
10:17
